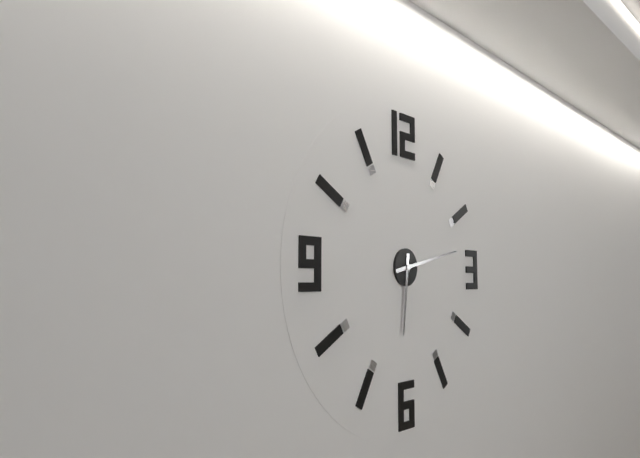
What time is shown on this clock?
6:13
